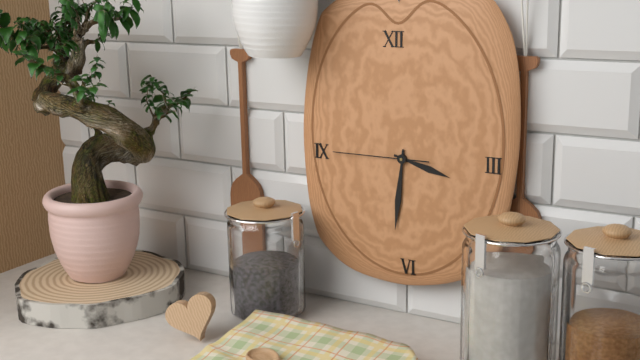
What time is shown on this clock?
3:31:45
